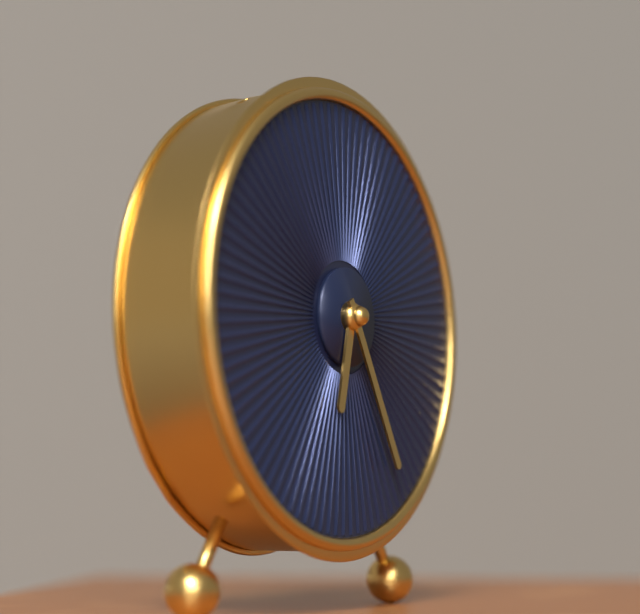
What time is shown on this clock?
6:25
